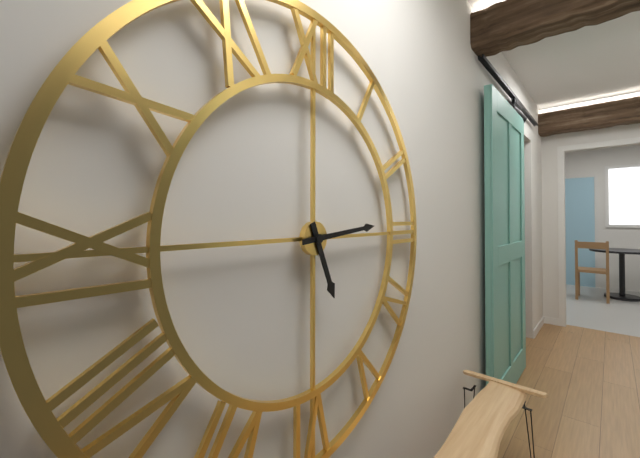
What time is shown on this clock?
5:14
